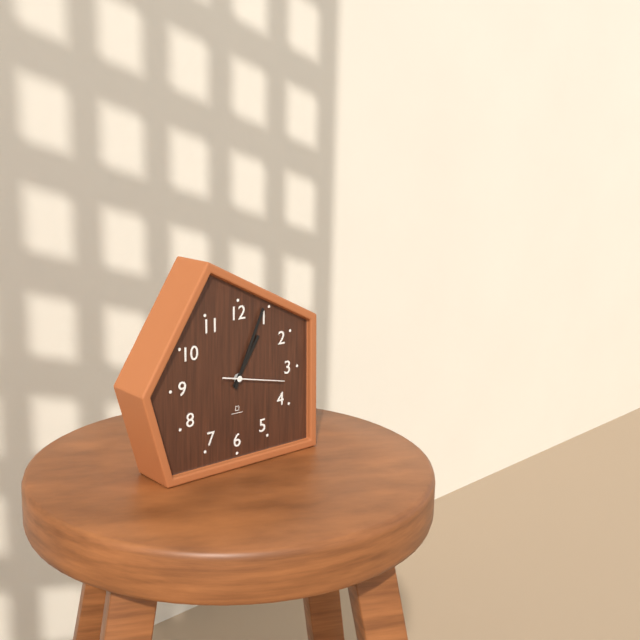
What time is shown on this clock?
1:04:17
